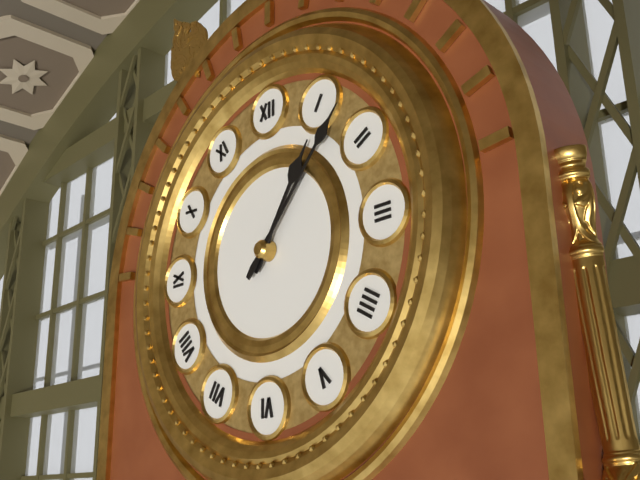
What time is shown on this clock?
1:07
